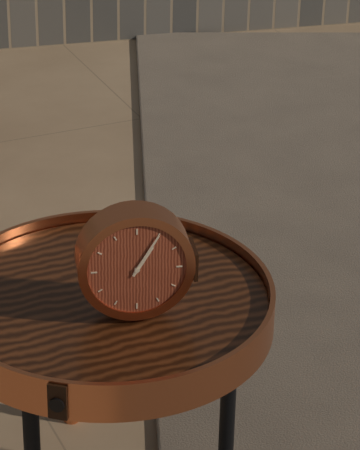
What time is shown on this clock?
1:05
